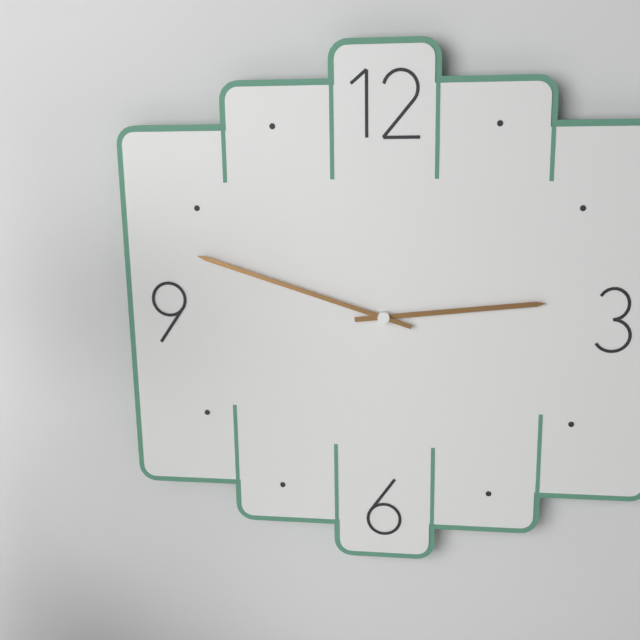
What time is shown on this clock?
2:48
